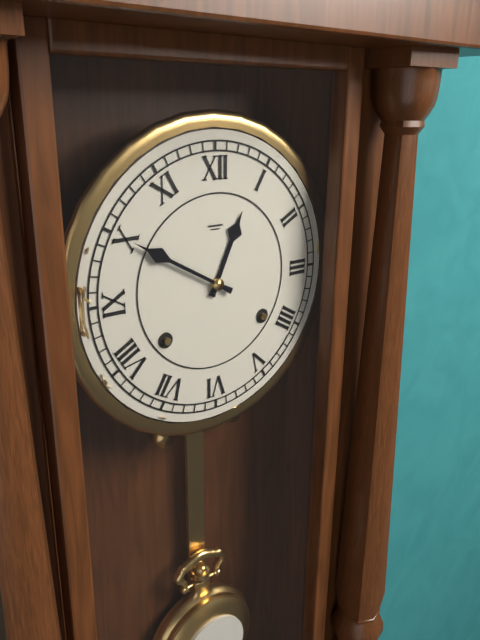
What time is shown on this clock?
12:50
